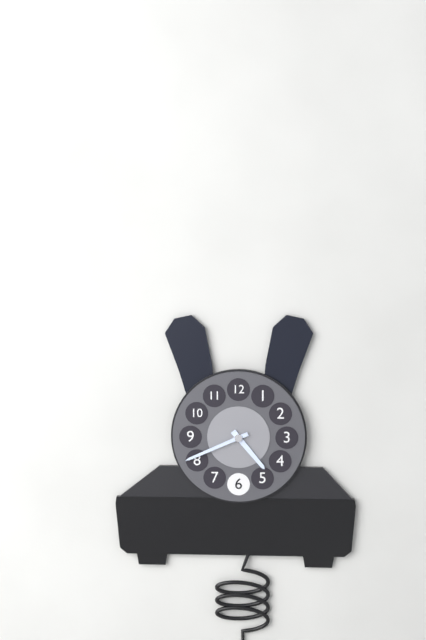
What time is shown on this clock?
4:41
